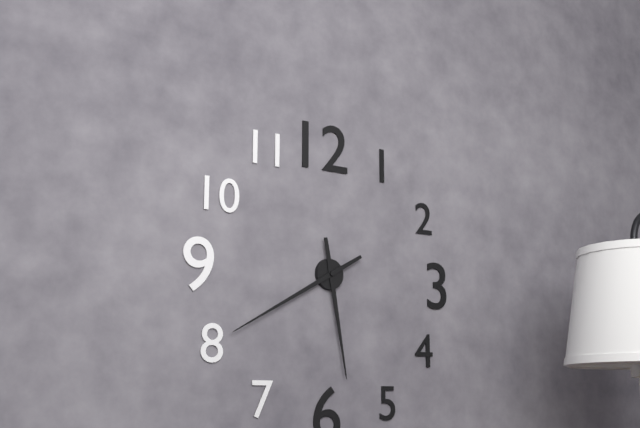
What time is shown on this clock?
5:40
